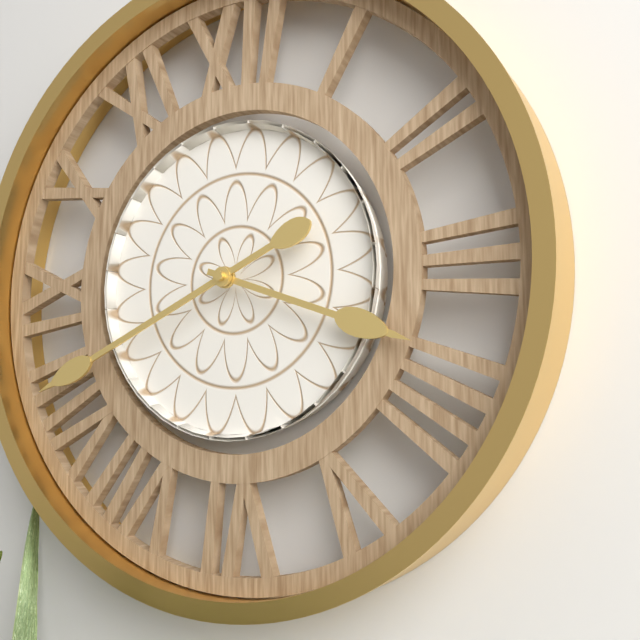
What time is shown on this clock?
3:41
